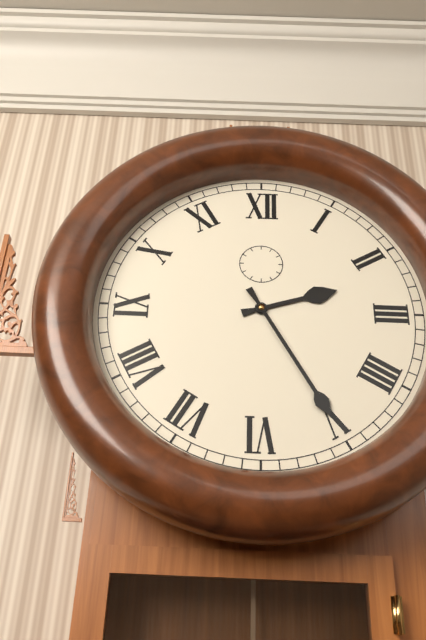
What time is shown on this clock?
2:25
